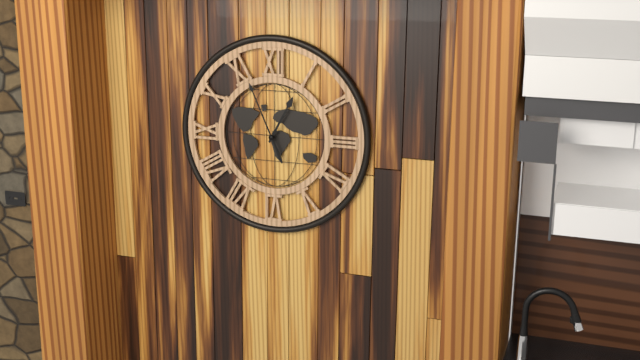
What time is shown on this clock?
12:56
